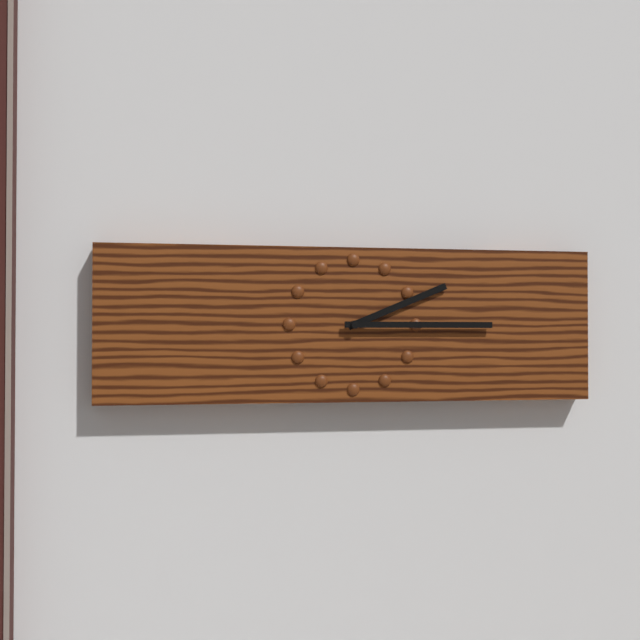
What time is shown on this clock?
2:15
